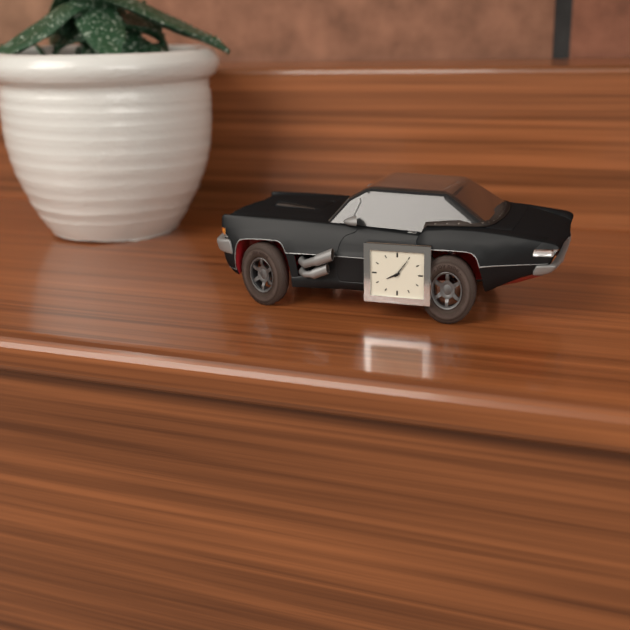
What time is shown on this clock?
8:06
